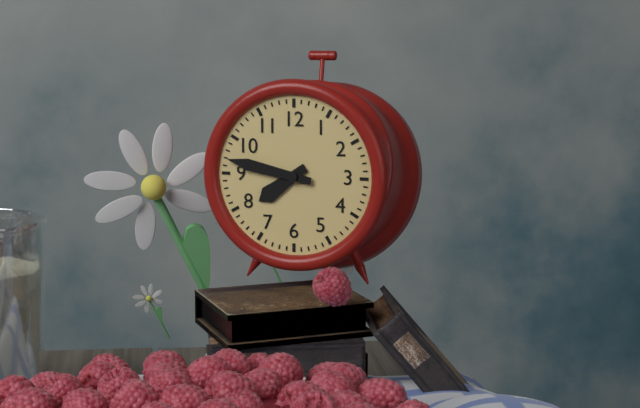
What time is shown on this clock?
7:47
